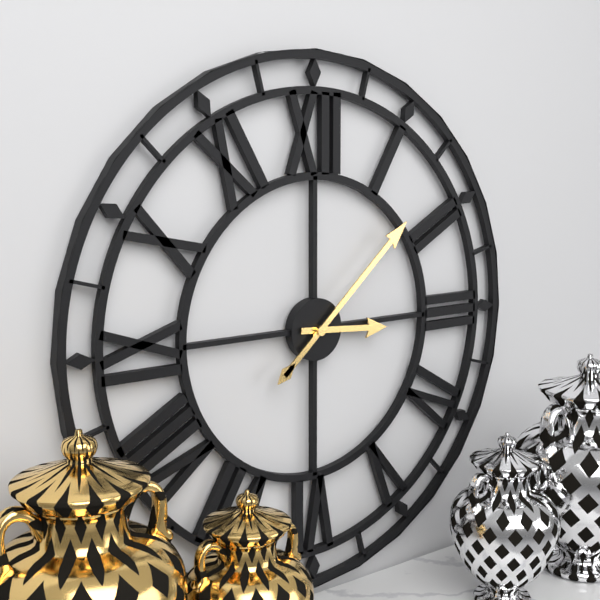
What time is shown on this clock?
3:08
